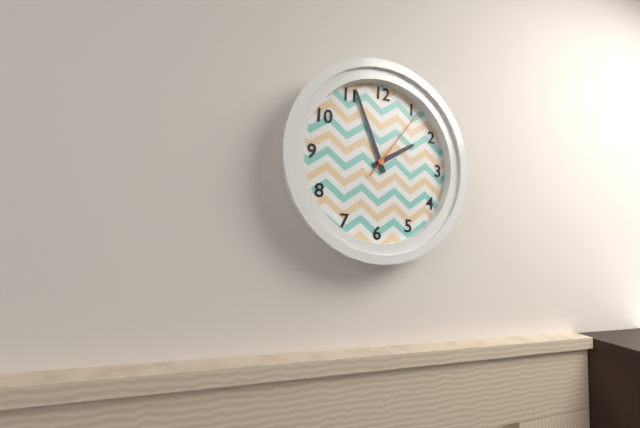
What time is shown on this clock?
1:56:06
